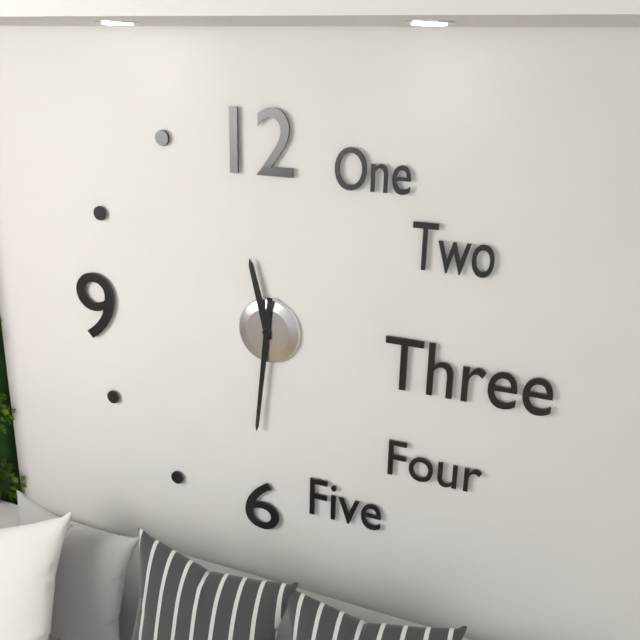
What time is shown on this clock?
11:31
